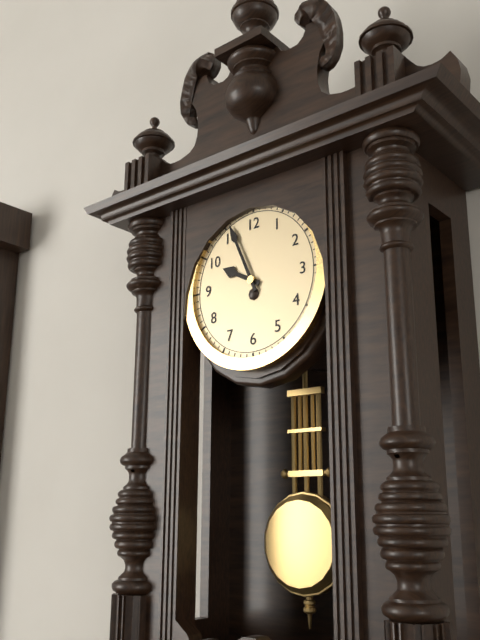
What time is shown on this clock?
9:56
